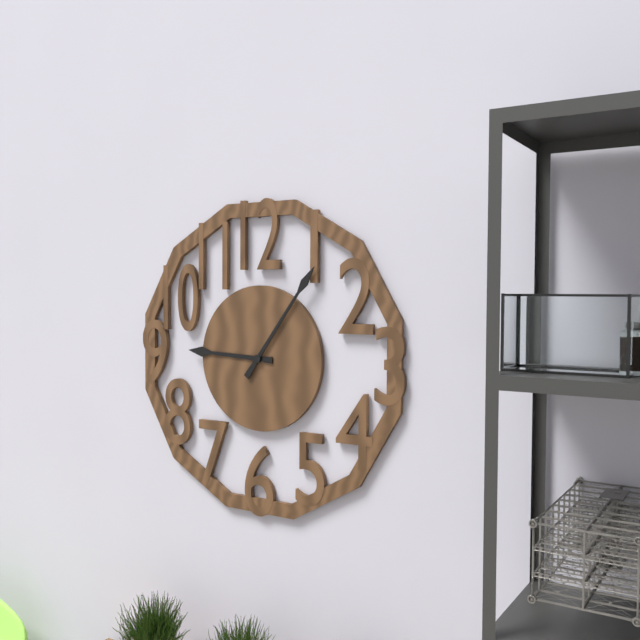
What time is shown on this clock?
9:06
